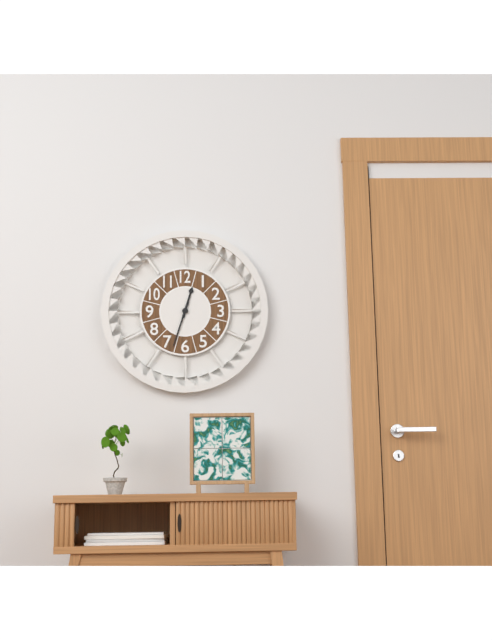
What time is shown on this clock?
12:33
